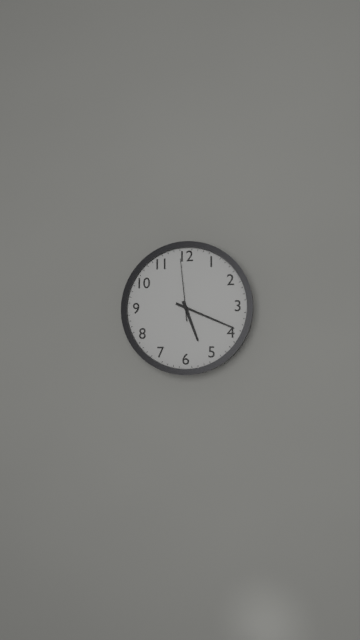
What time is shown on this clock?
5:19:59
